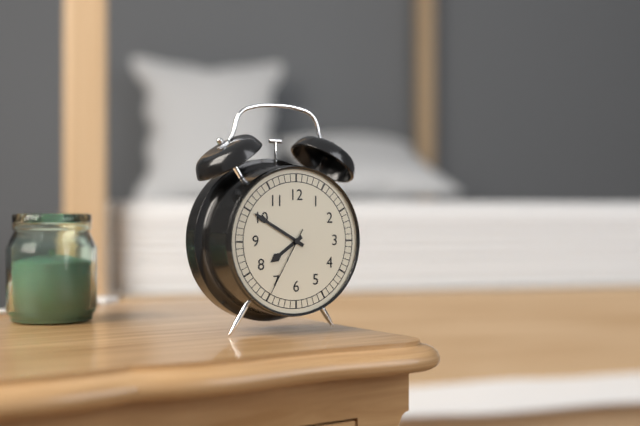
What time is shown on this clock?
7:50:35
